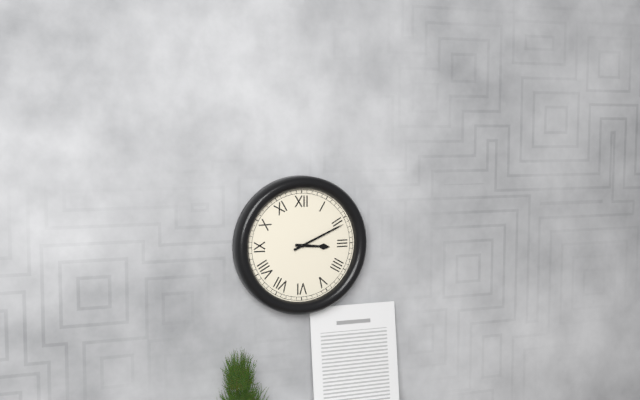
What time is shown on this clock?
3:11
